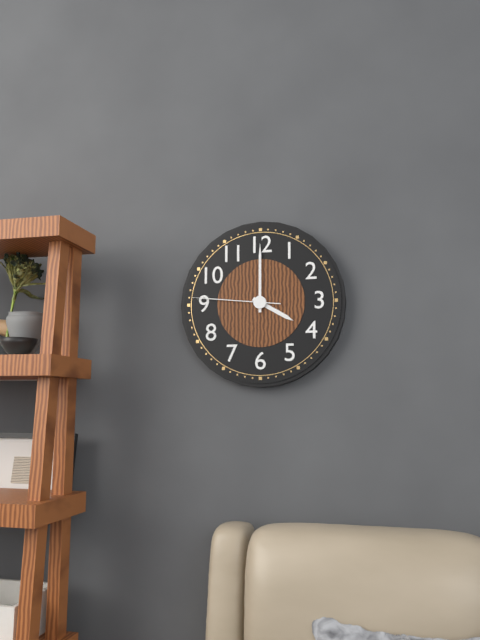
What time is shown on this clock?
4:00:46
